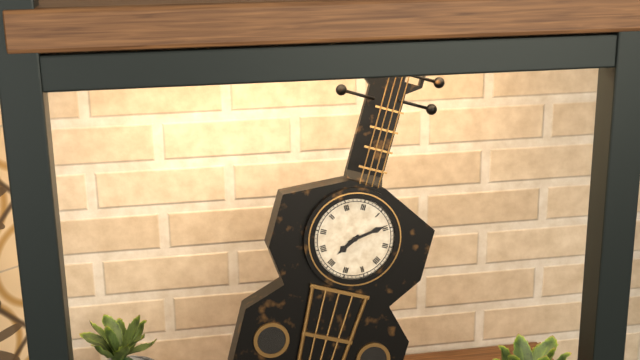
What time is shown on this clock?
7:09
